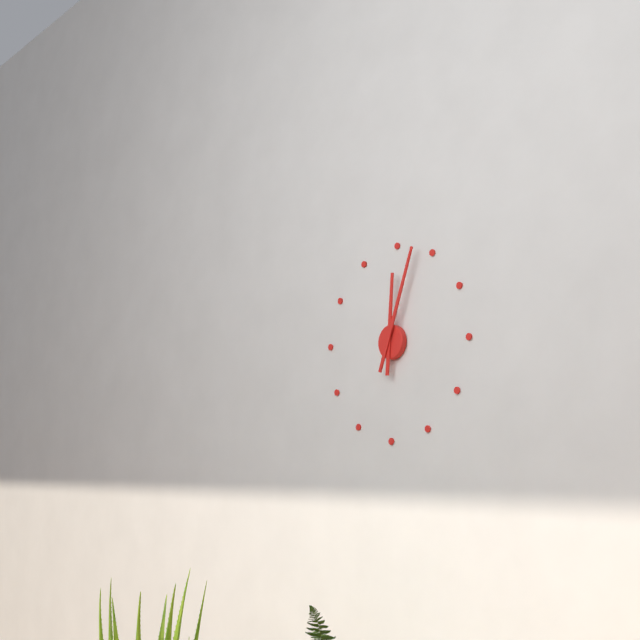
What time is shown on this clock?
12:03
